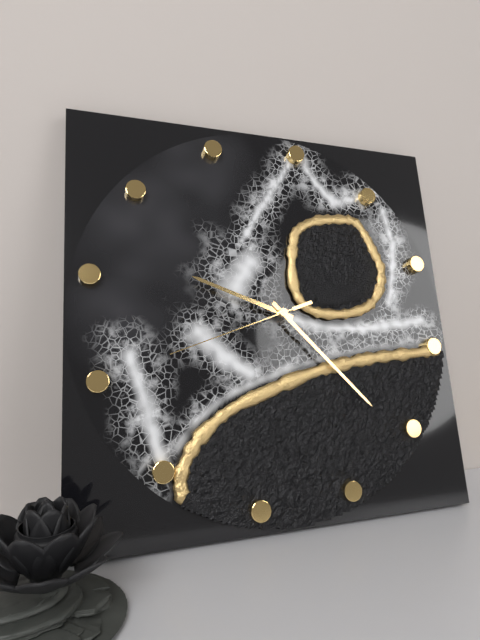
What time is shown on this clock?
9:21:40
